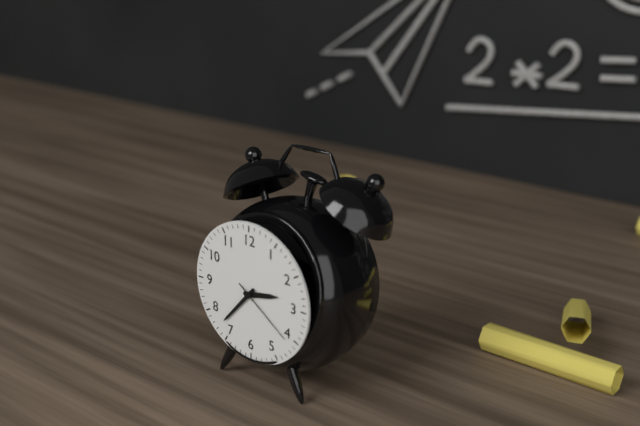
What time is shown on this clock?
2:37:21
